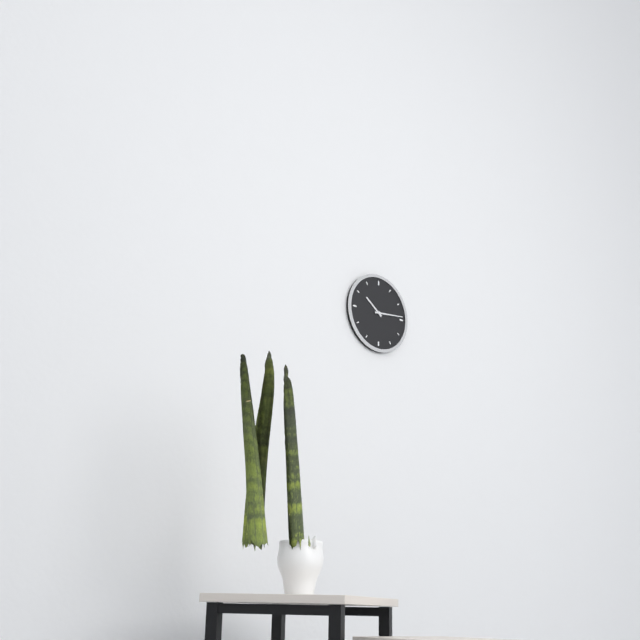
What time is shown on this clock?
10:14
